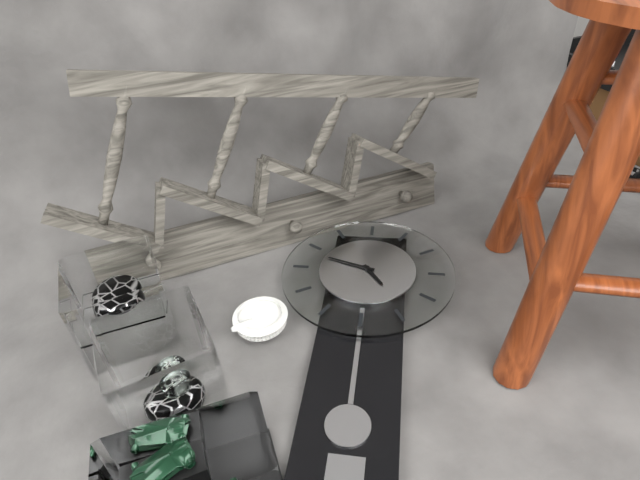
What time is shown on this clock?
4:48
